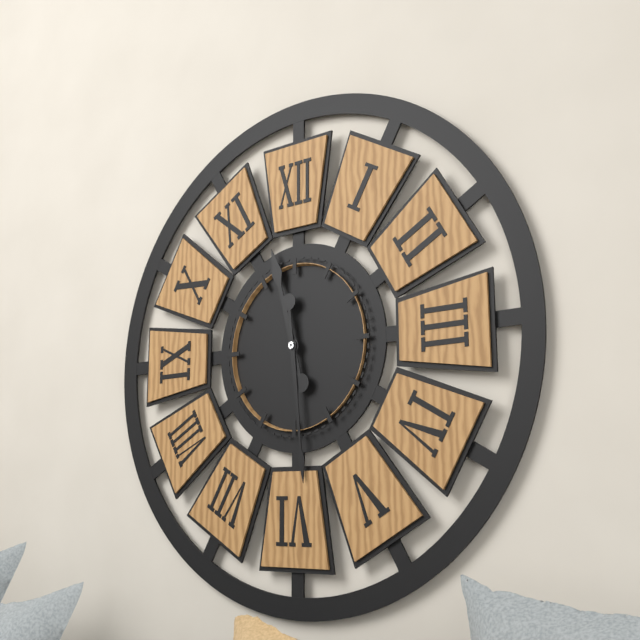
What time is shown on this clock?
11:29
